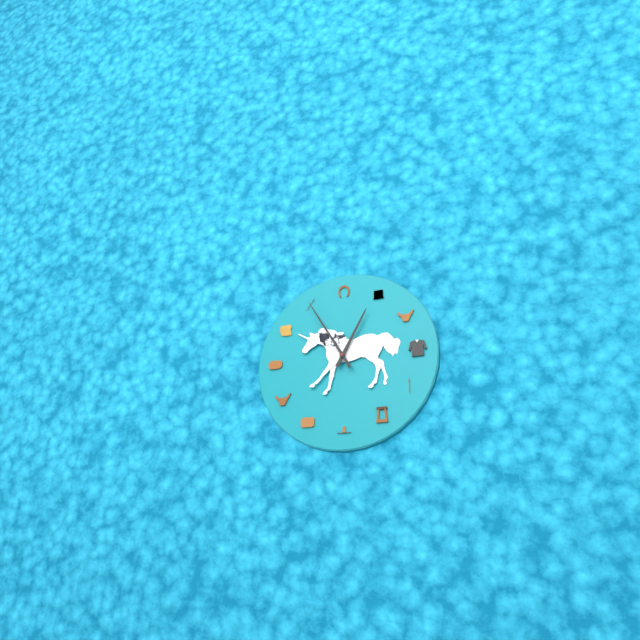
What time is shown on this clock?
12:55
